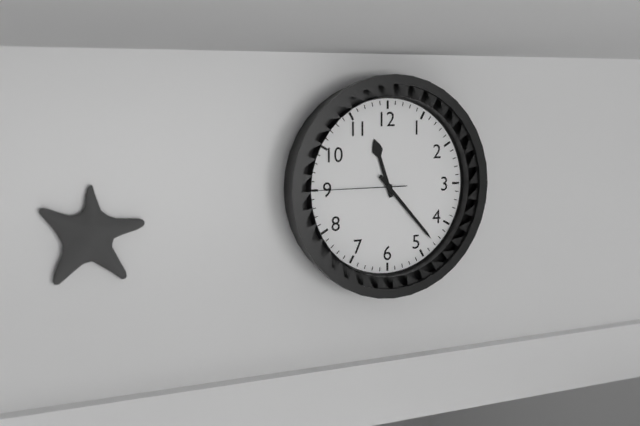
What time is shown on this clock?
11:23:45
